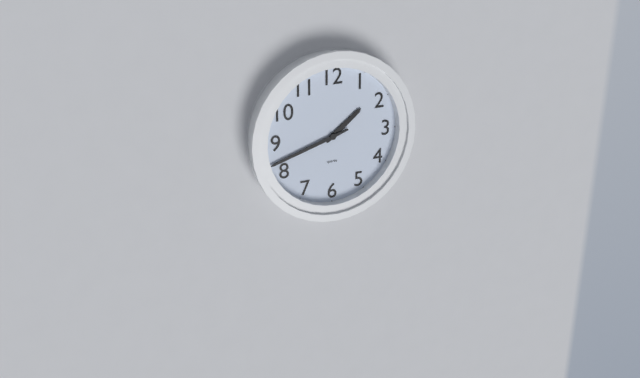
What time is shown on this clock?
1:42
